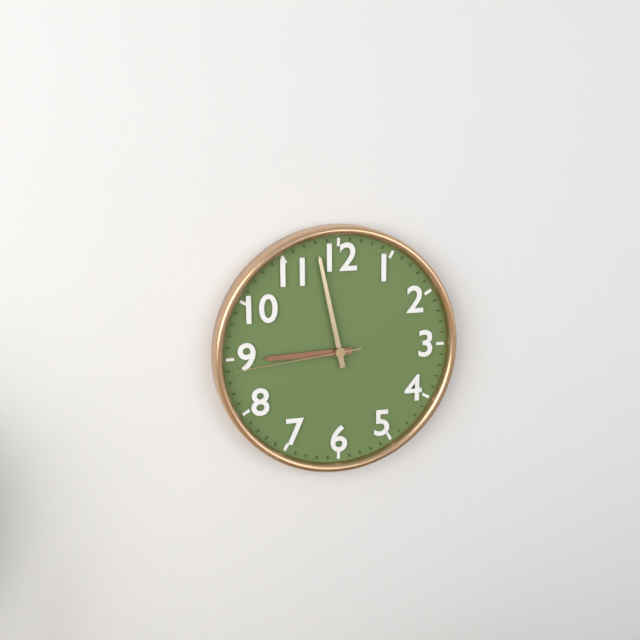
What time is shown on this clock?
8:58:44
